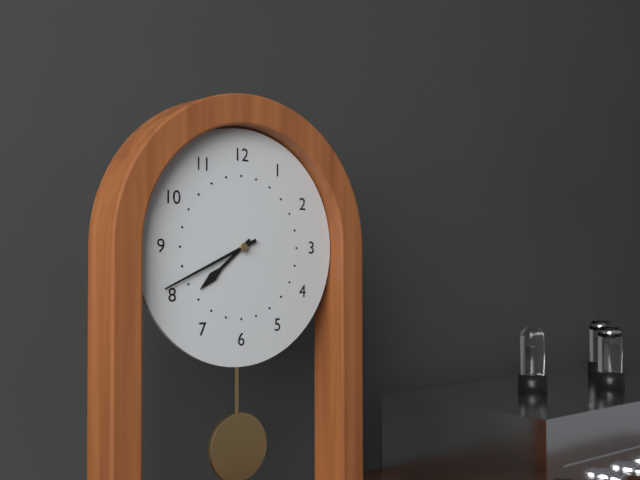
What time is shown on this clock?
7:41
